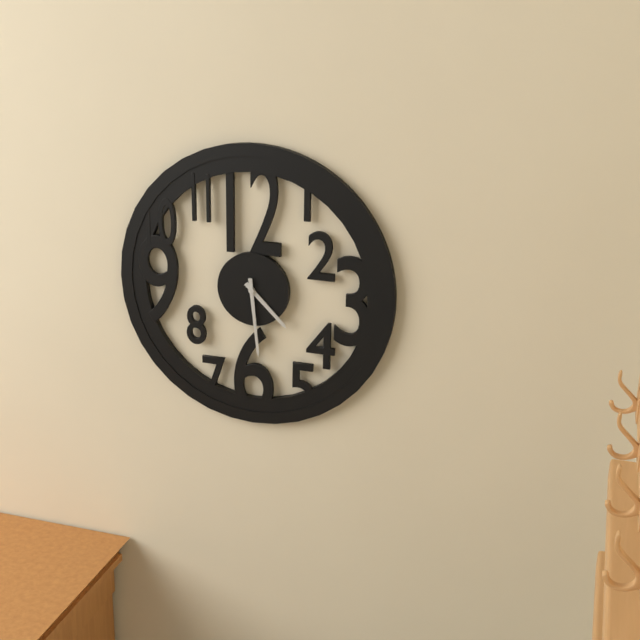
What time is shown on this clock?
4:29
